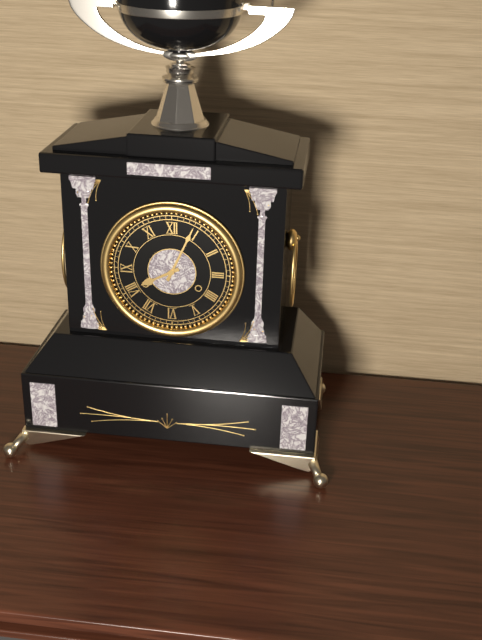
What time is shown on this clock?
8:04
